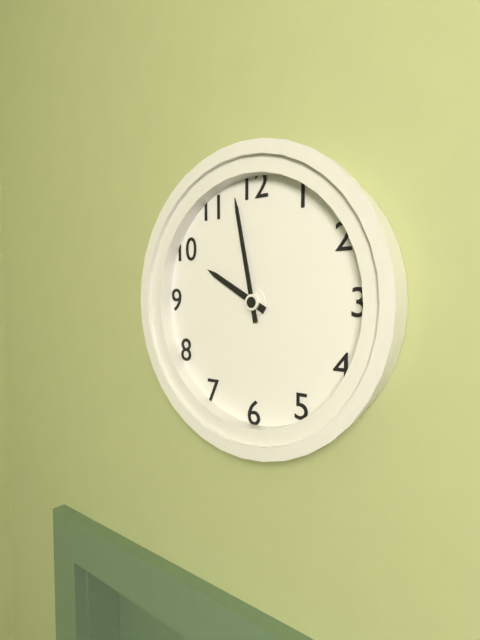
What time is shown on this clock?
9:58
